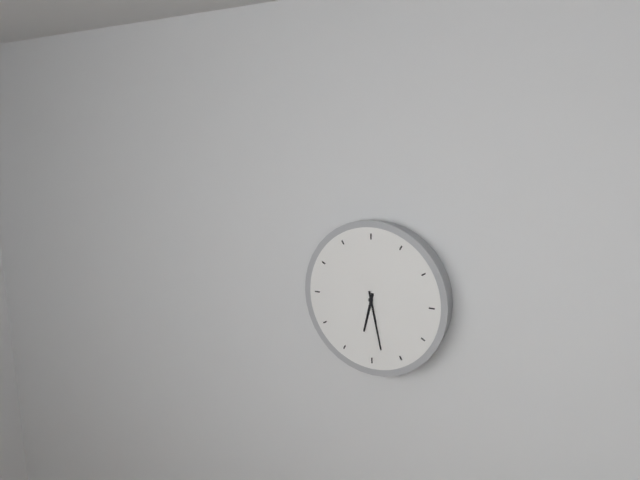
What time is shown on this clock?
6:28
